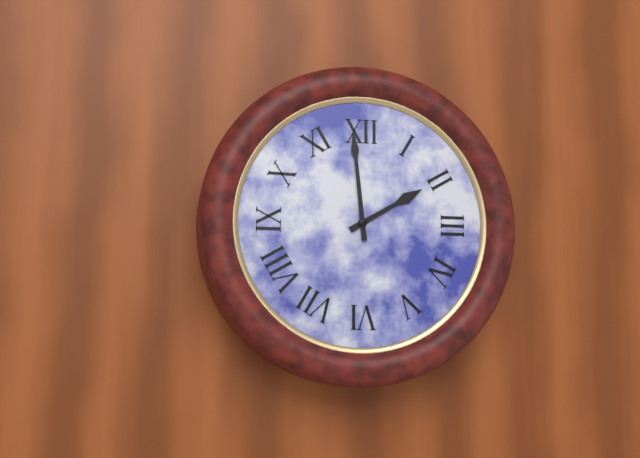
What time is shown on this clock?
1:59
